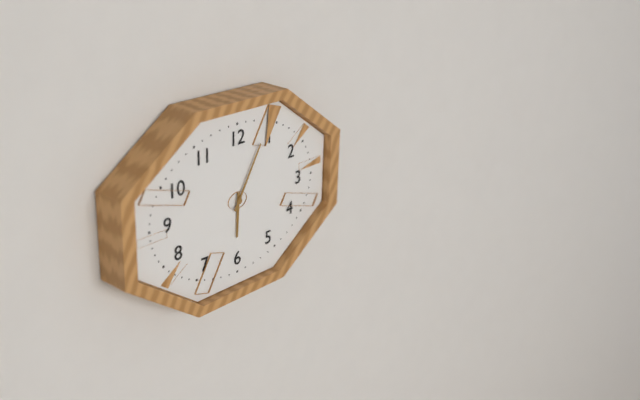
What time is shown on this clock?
6:05
